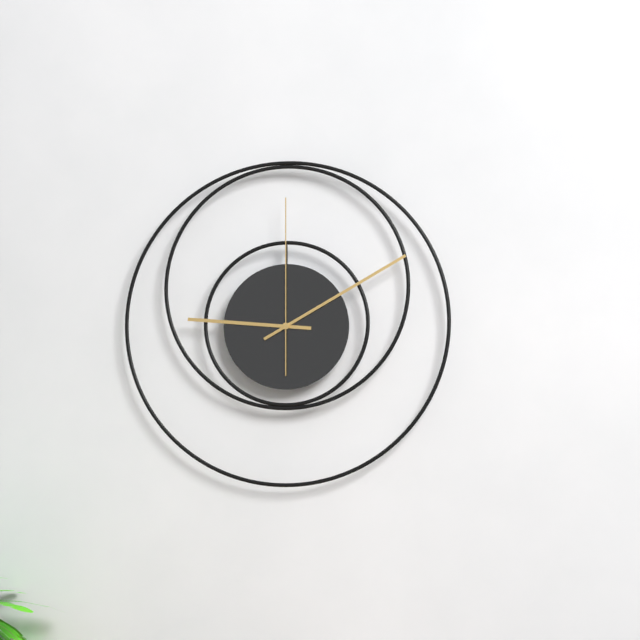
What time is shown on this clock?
9:10:00
